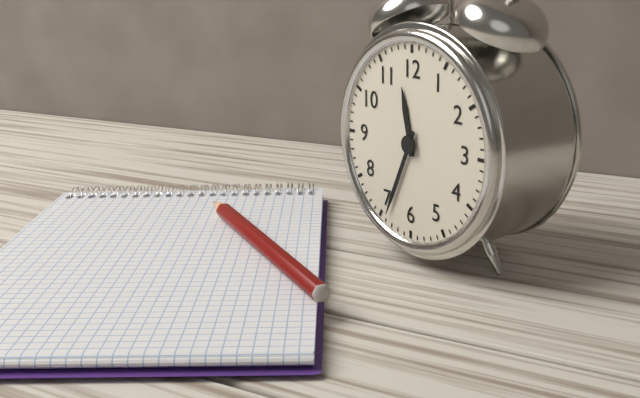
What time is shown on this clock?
11:34
